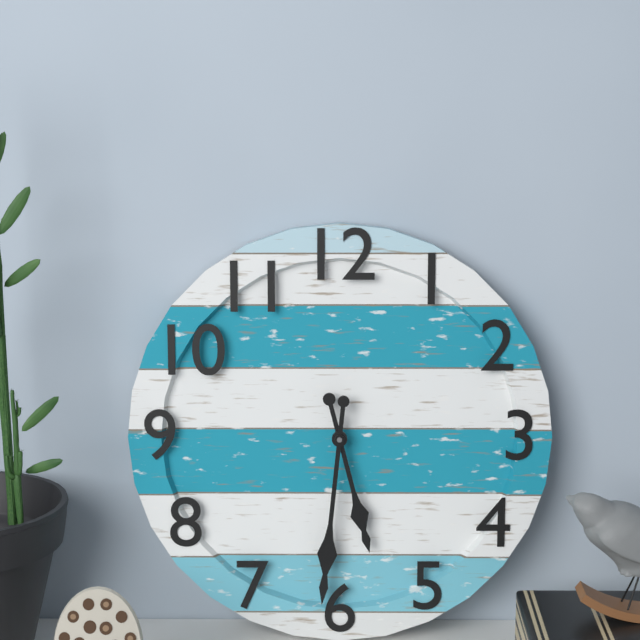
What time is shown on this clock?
5:31
